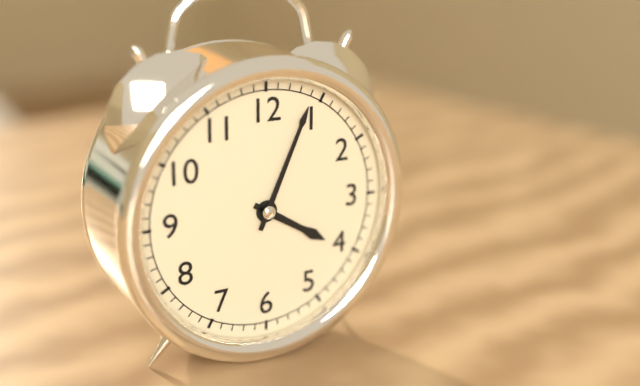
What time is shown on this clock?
4:04
